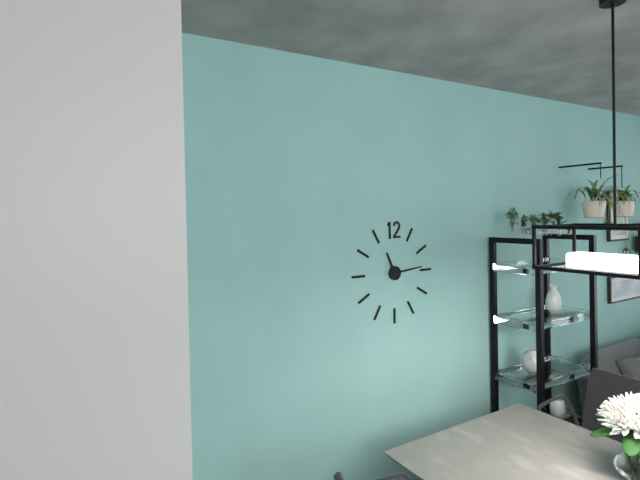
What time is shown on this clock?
11:14
